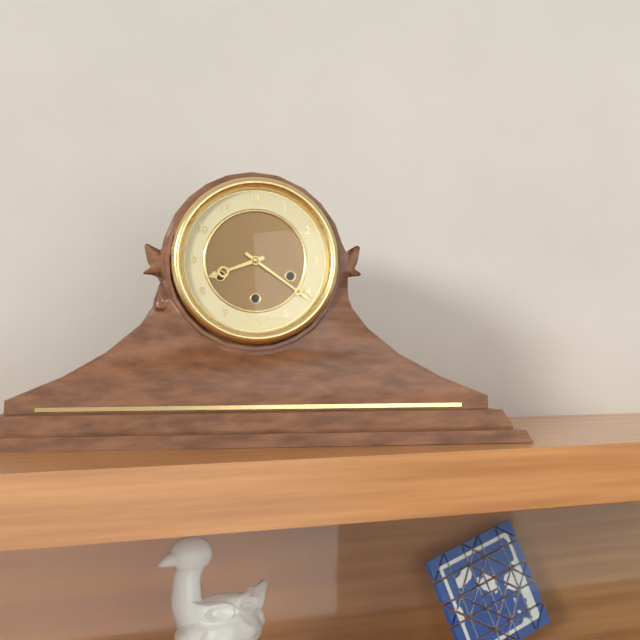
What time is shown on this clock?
8:21
